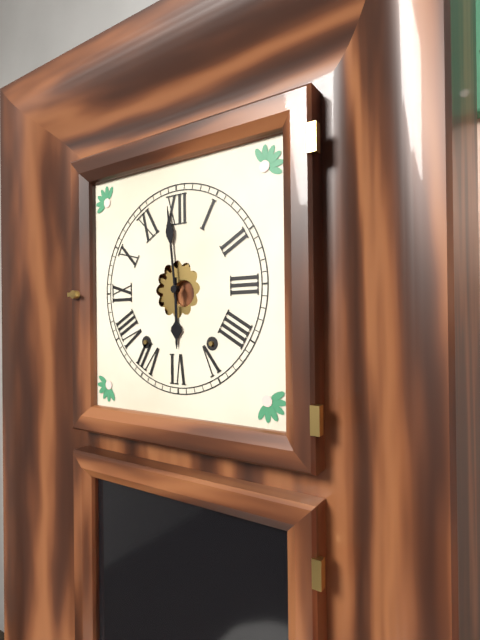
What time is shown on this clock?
5:59
